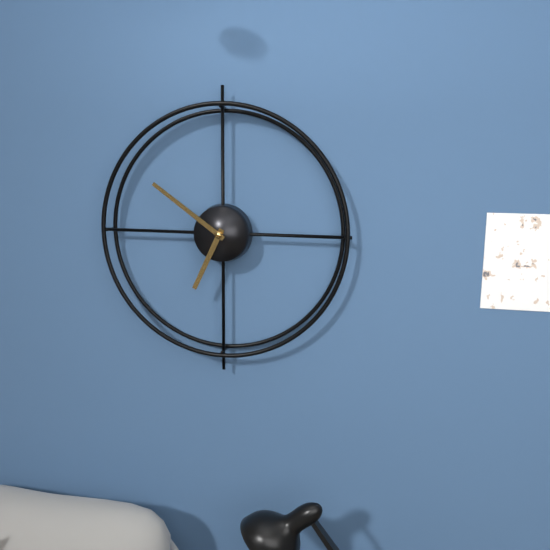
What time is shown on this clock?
6:51
